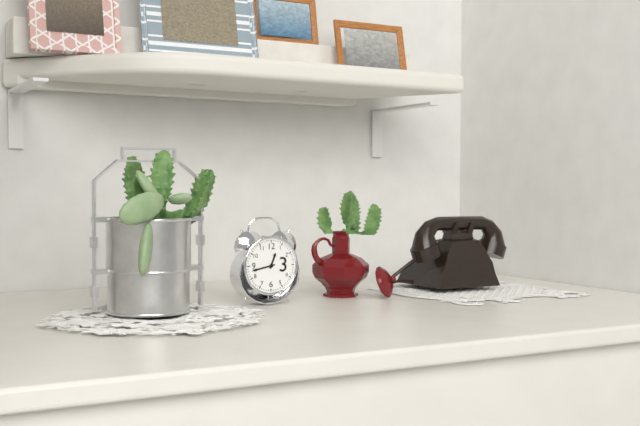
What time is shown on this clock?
12:43
